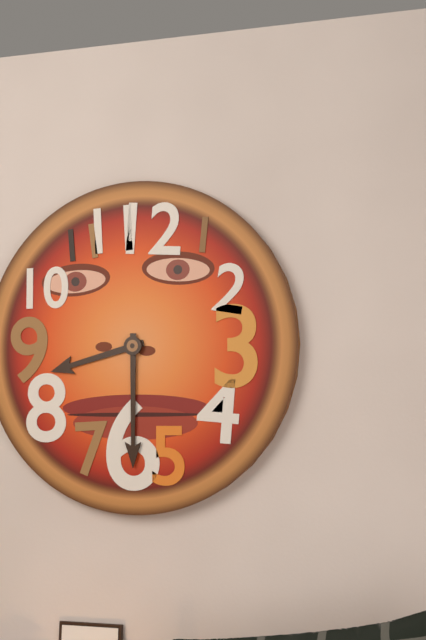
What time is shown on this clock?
8:30
